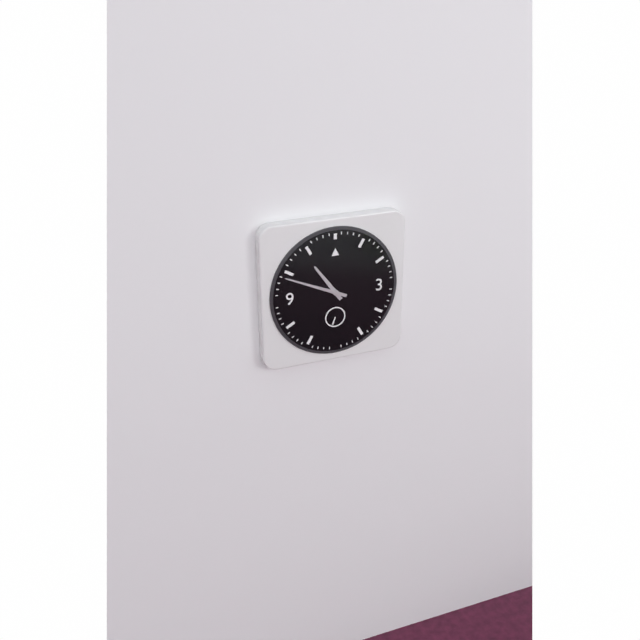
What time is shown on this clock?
10:49
